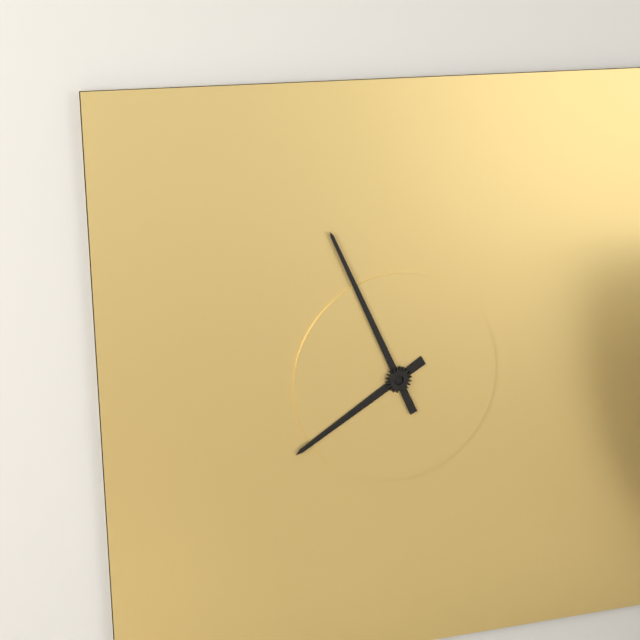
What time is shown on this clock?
7:56
